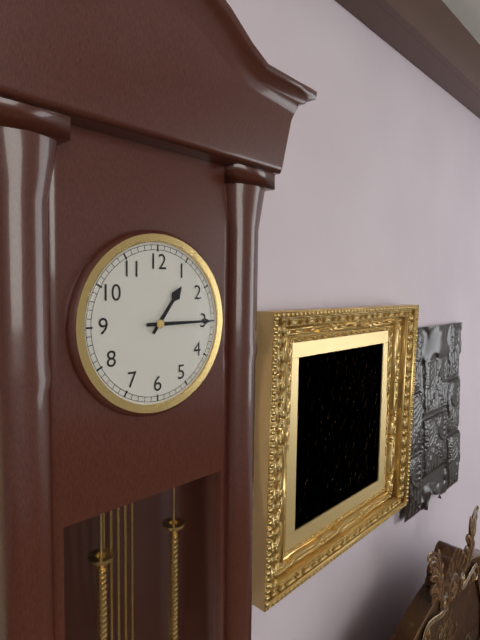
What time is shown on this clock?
1:15
